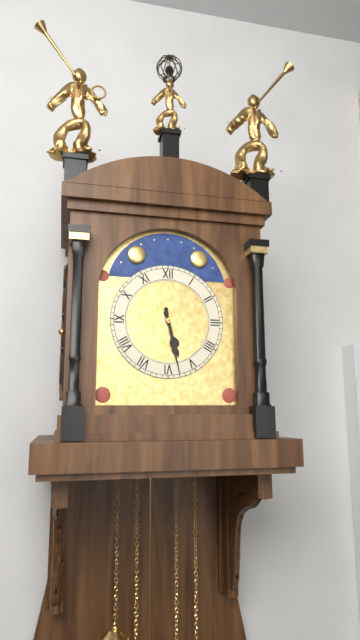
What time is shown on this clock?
5:28
